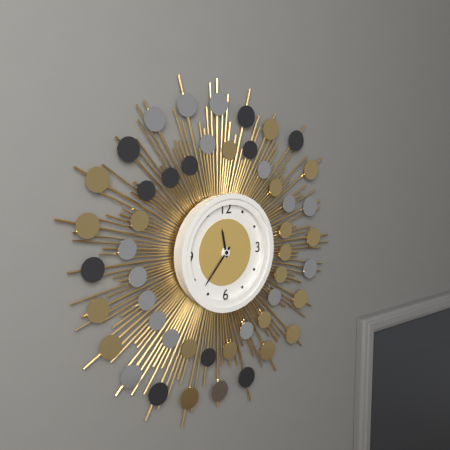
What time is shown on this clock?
11:37
